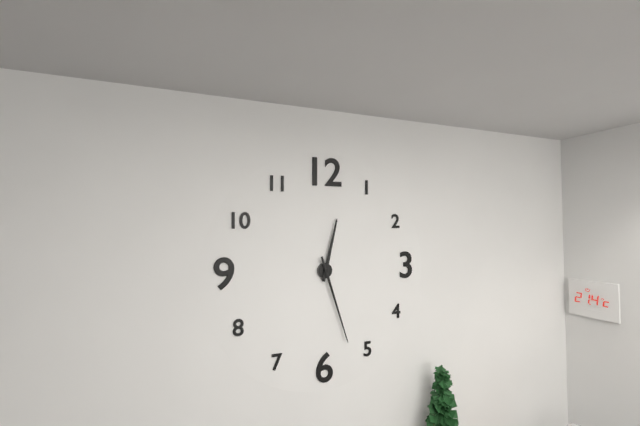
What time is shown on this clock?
12:27
